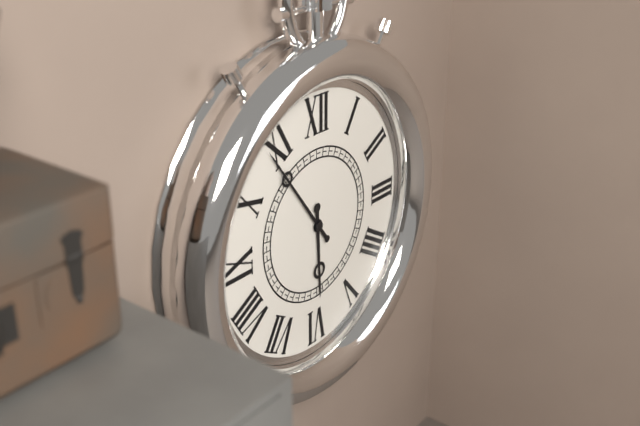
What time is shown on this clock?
5:54
